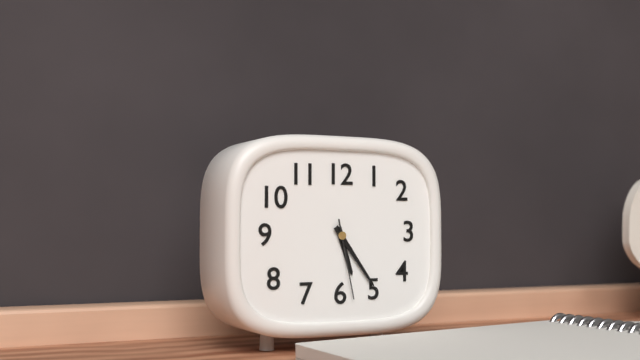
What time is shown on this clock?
5:24:28
